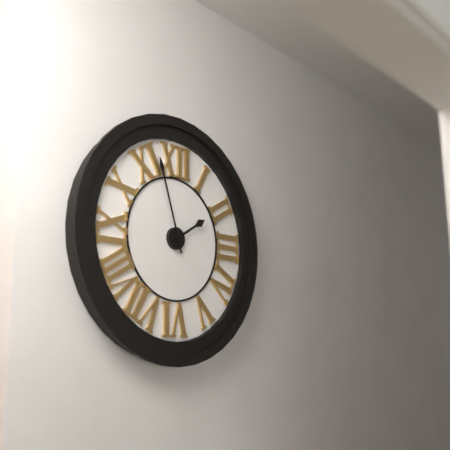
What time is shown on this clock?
1:57
